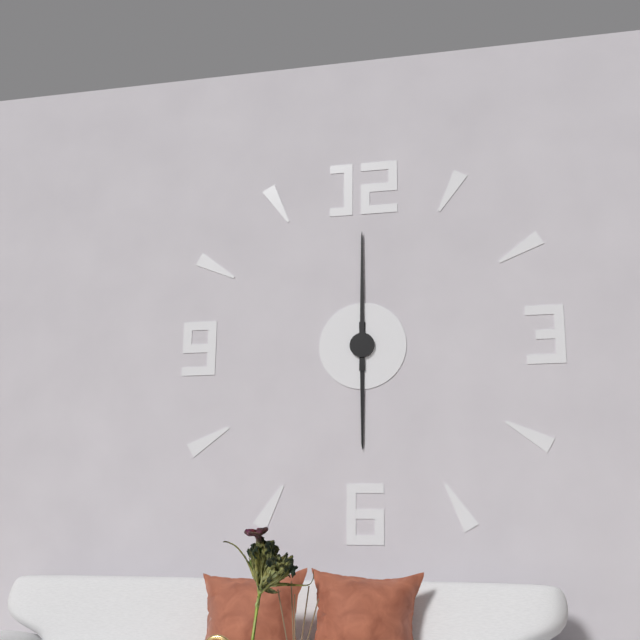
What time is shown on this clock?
6:00
